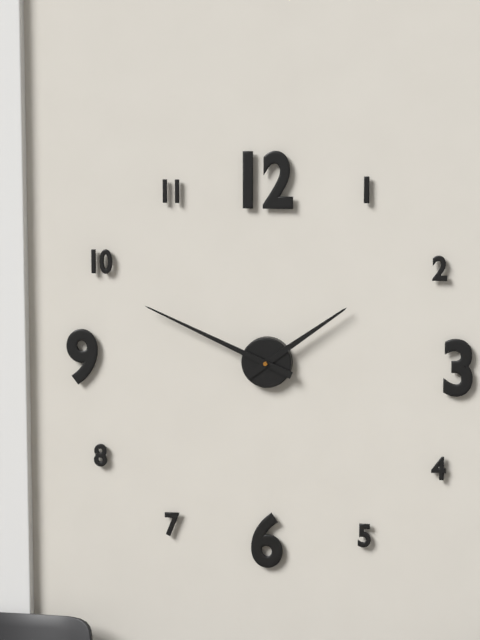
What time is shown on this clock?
1:49
